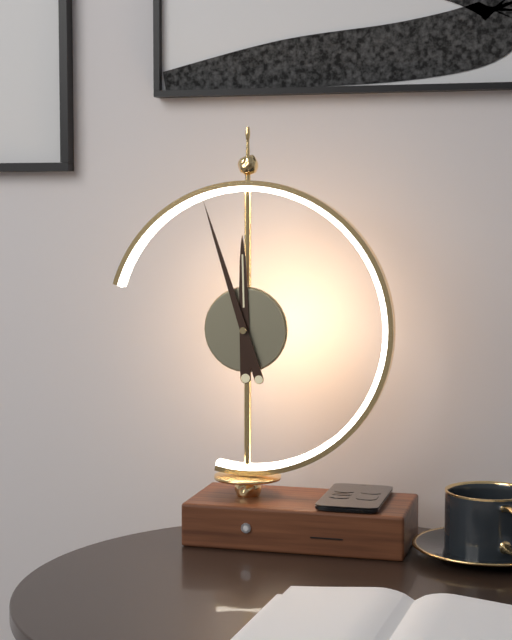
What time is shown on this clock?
11:57
